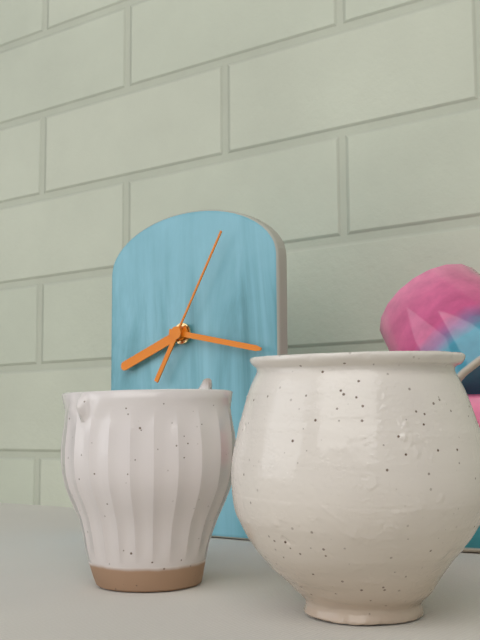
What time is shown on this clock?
8:17:05
